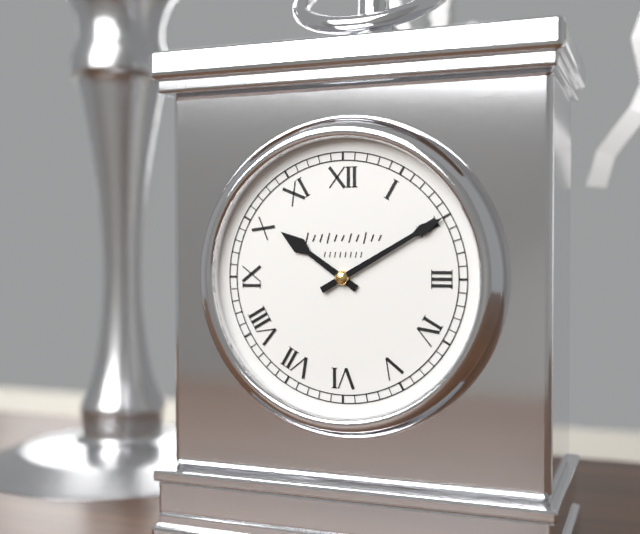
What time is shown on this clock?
10:10
